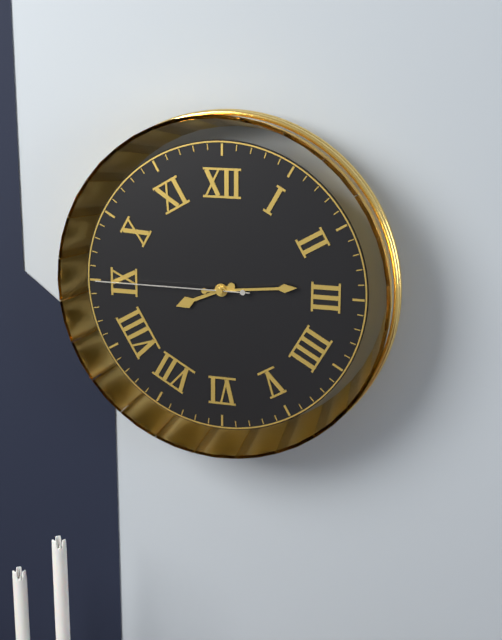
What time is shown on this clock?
8:14:45
